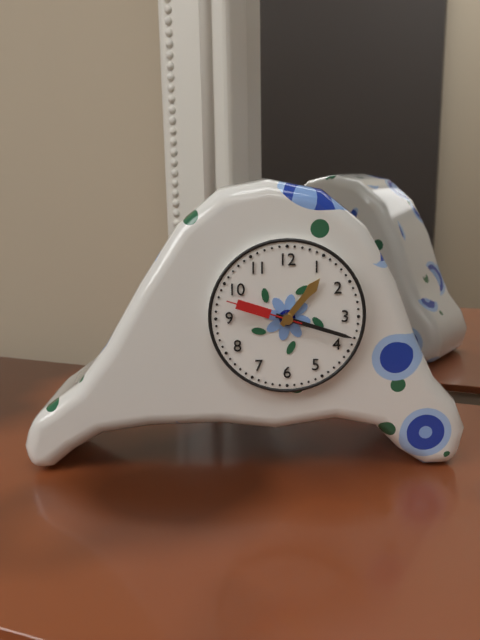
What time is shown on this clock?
1:18:48
